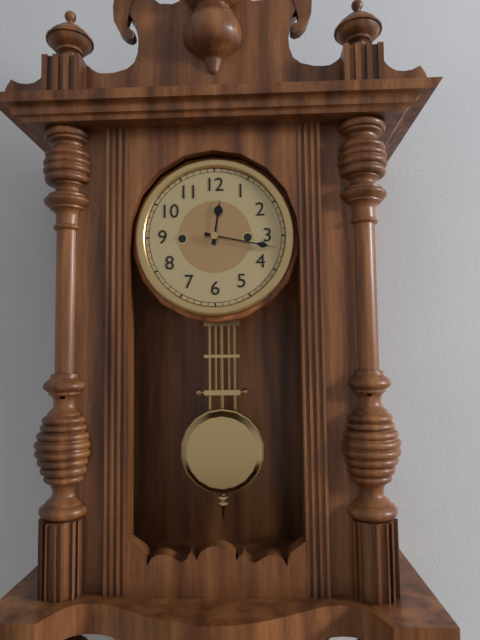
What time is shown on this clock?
12:17
